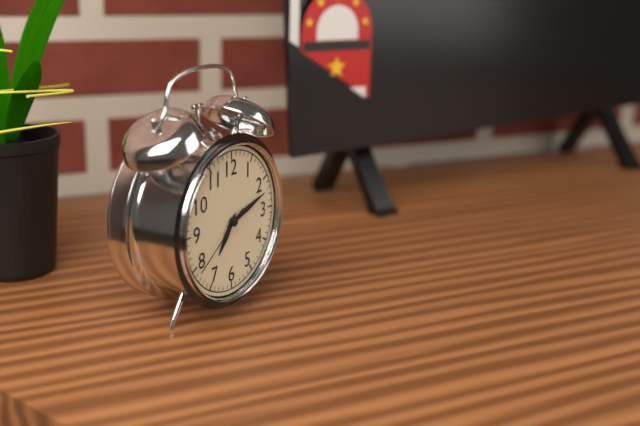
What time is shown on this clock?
7:12:39
